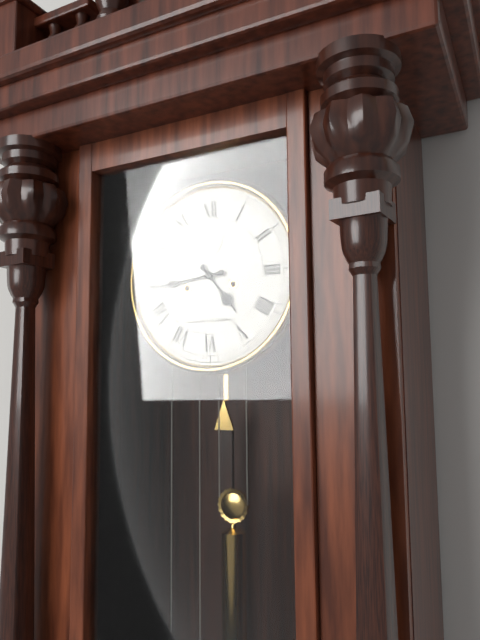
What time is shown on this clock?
4:44
